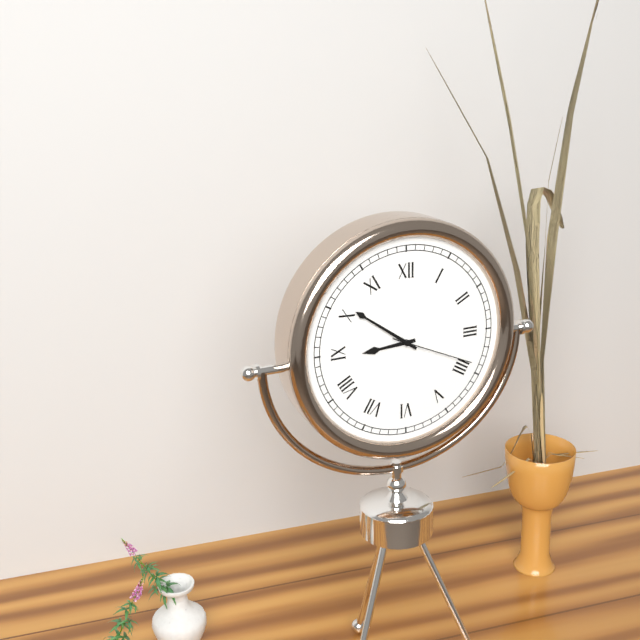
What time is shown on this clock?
8:51:19
